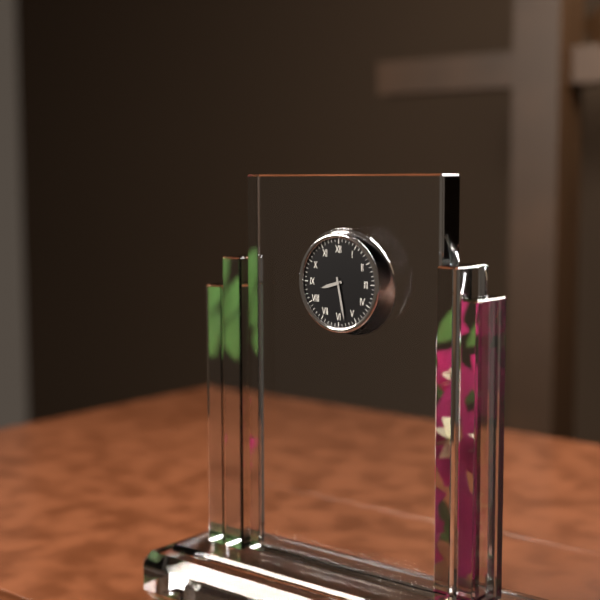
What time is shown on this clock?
8:28
